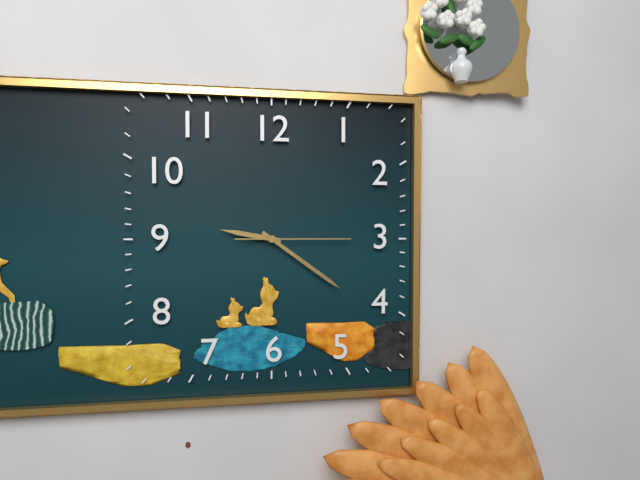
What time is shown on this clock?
9:21:15
